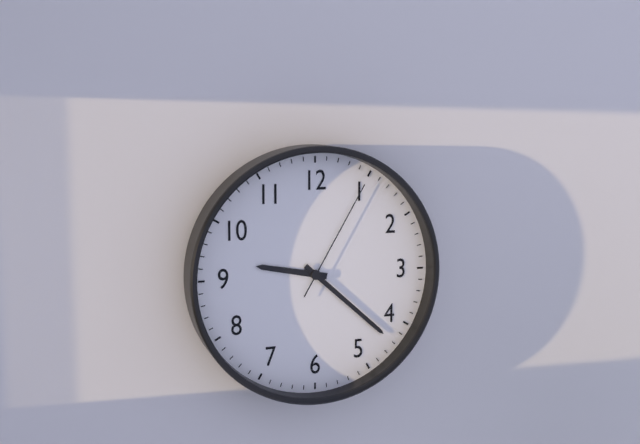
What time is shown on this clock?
9:22:05
